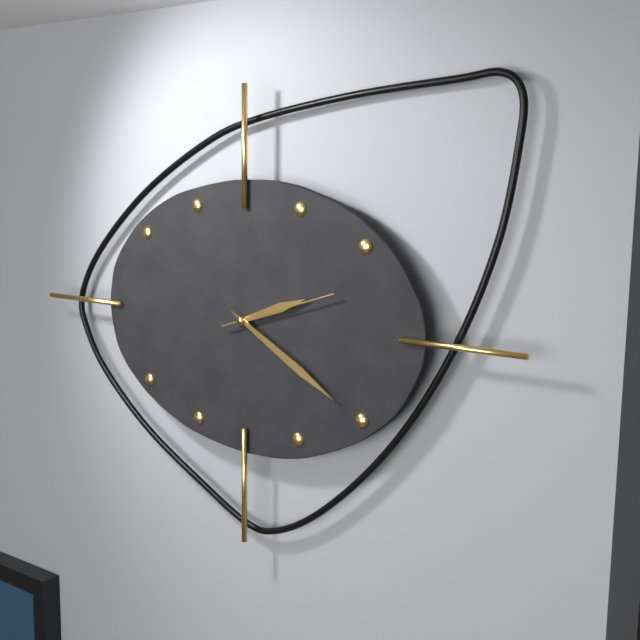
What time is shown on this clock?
2:20:12
